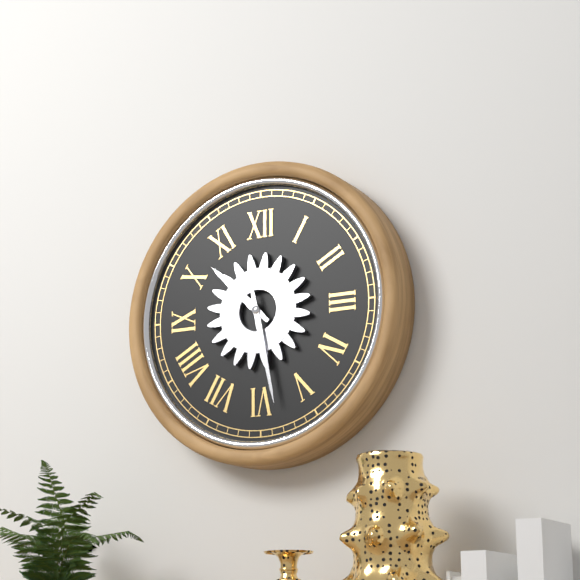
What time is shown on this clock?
10:28
